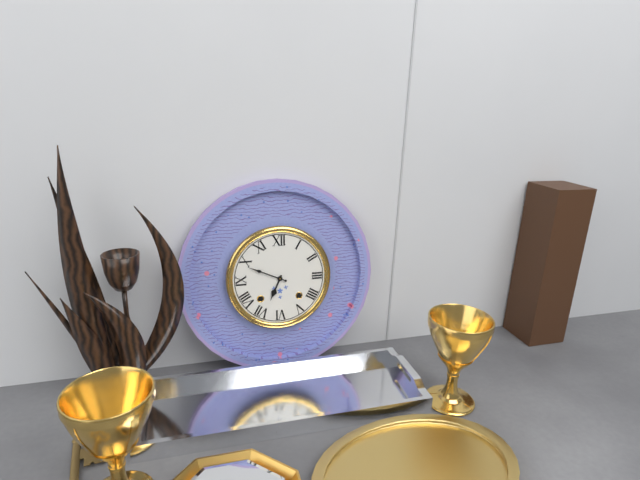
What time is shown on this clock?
6:49
